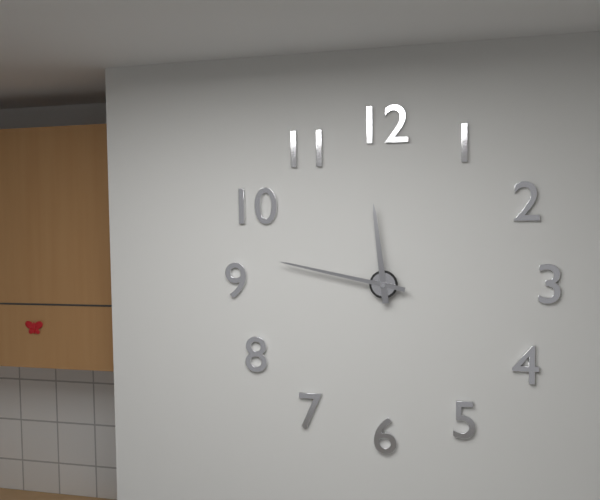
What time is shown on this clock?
11:47
